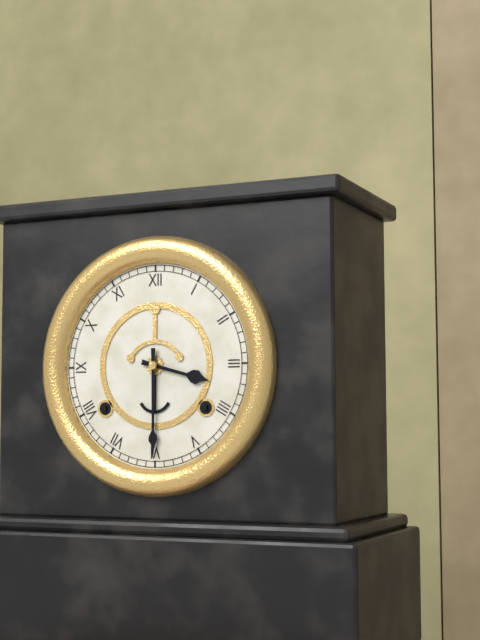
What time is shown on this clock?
3:30
